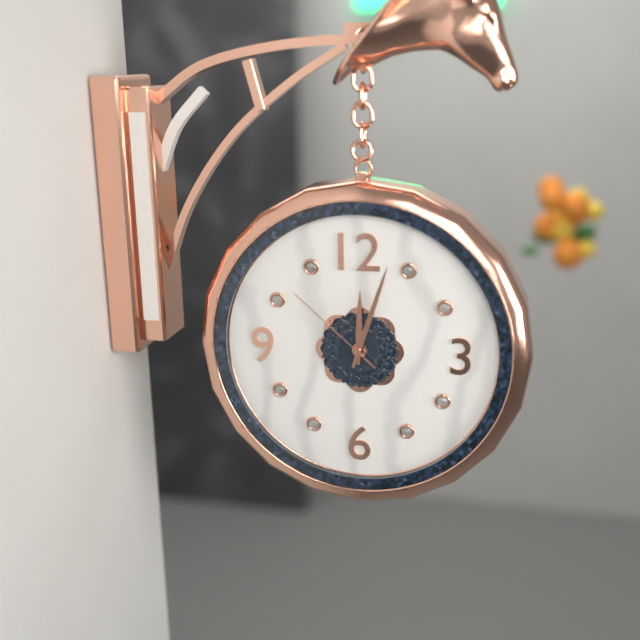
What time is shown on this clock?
12:03:52
